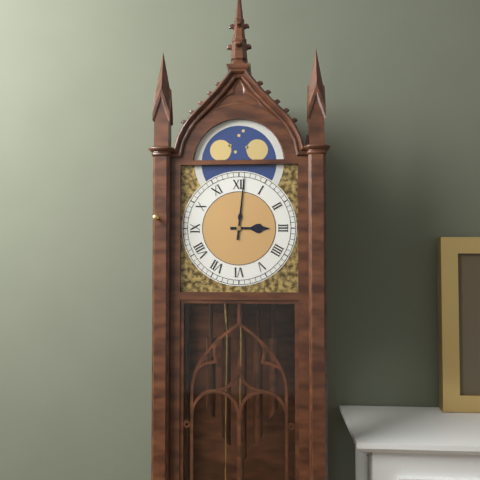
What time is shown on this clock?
3:01
